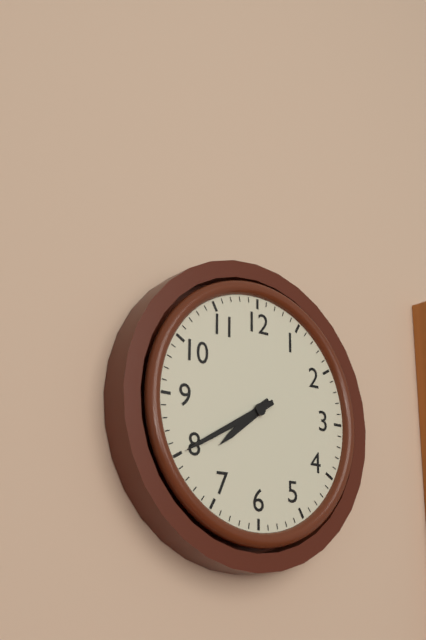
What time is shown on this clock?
7:40
